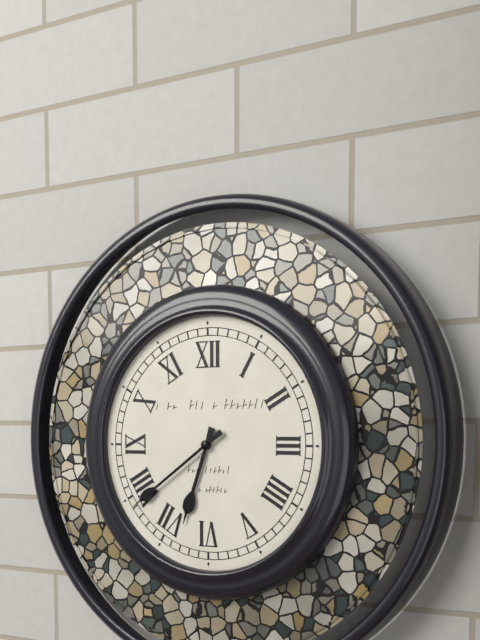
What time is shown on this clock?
6:39
